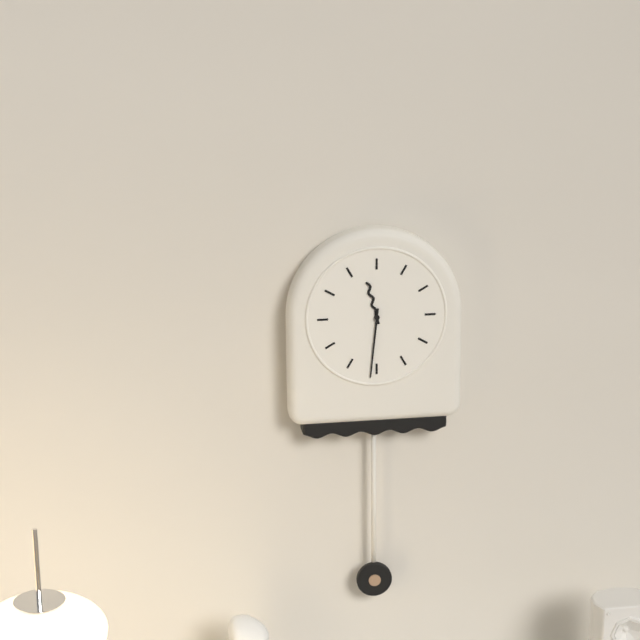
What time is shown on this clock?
11:31
